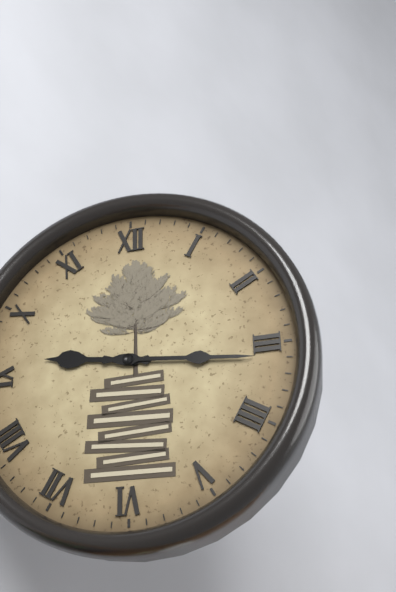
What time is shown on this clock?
9:16
